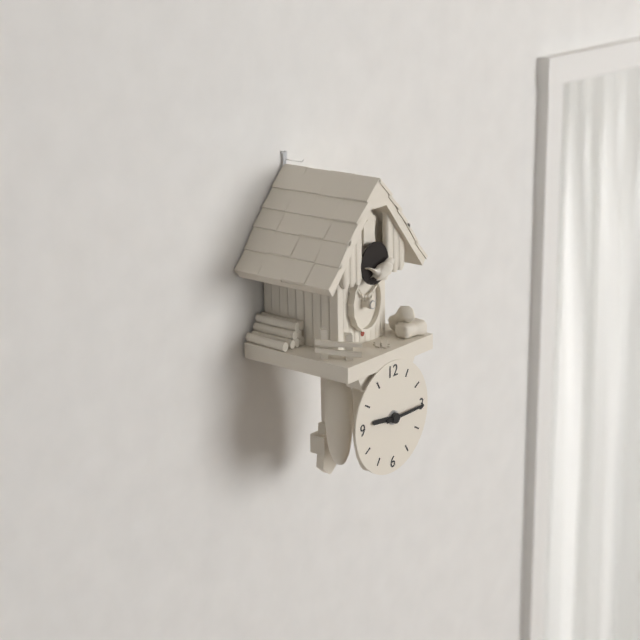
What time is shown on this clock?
9:15
